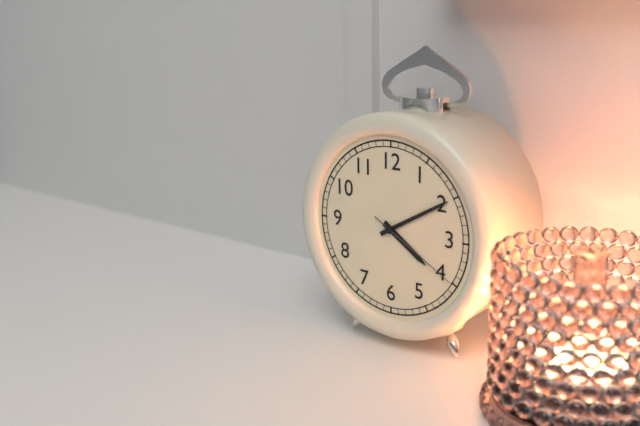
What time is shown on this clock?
4:10:20
